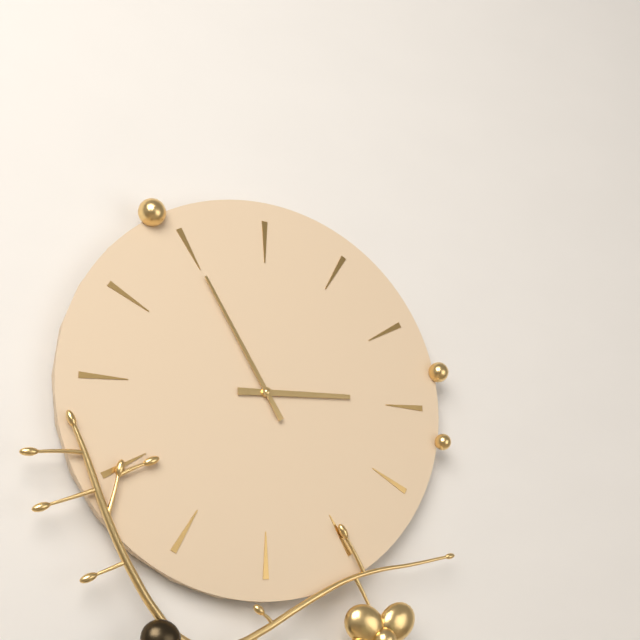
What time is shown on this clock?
2:55
